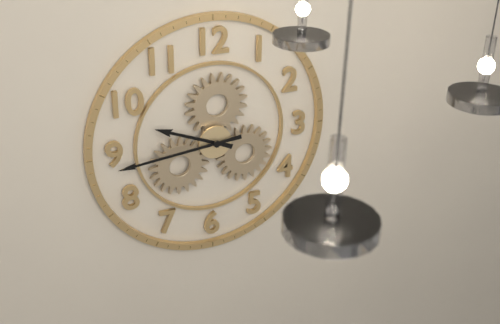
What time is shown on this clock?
9:44
